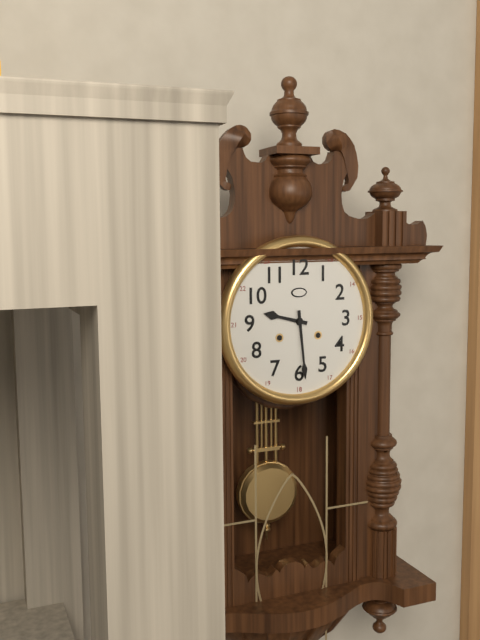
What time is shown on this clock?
9:29
